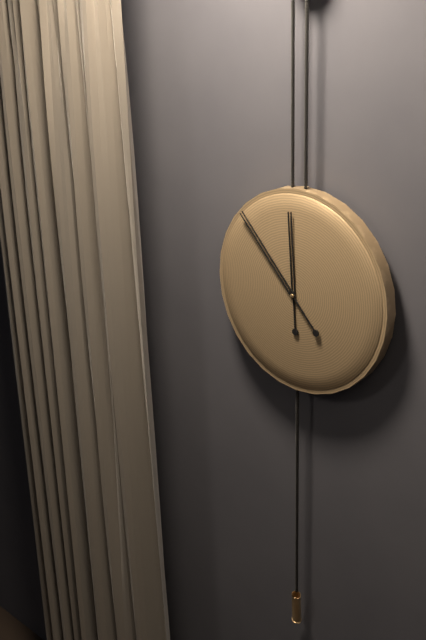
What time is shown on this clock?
11:53
